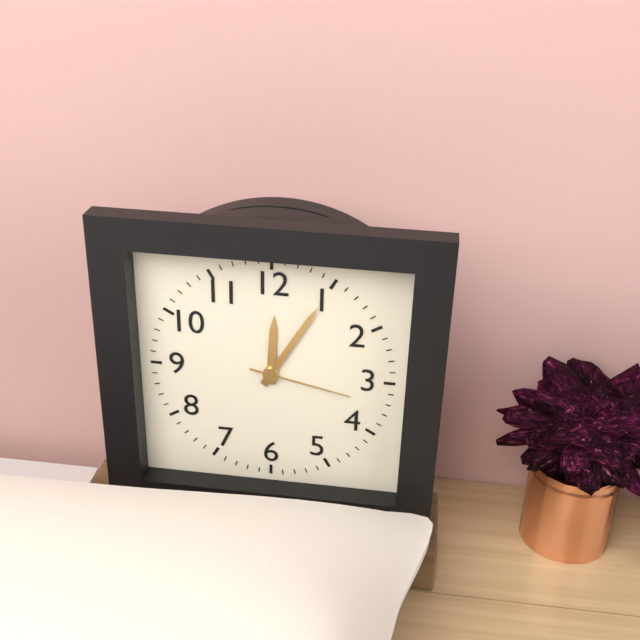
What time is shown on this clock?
12:05:17
